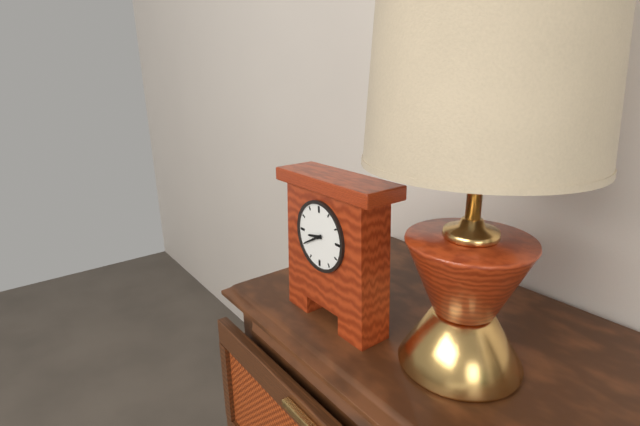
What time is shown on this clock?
8:40
